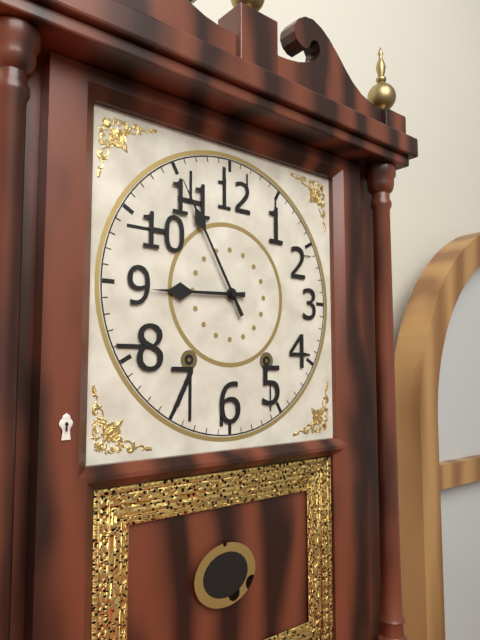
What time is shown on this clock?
8:55
